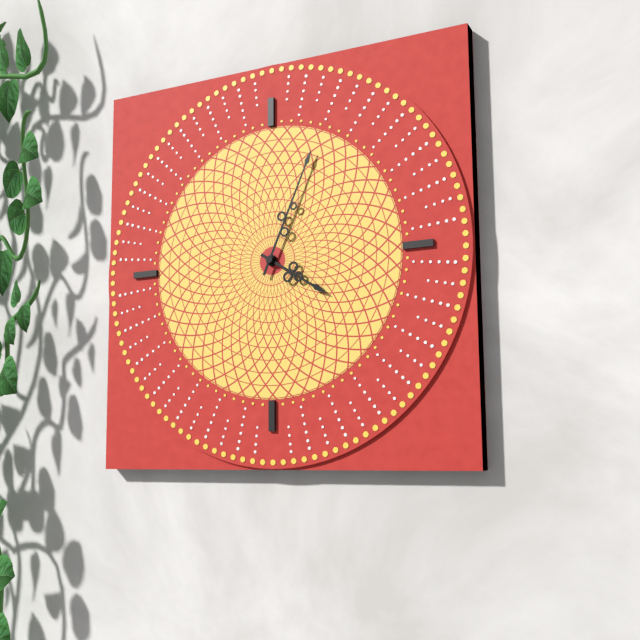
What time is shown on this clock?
4:04
